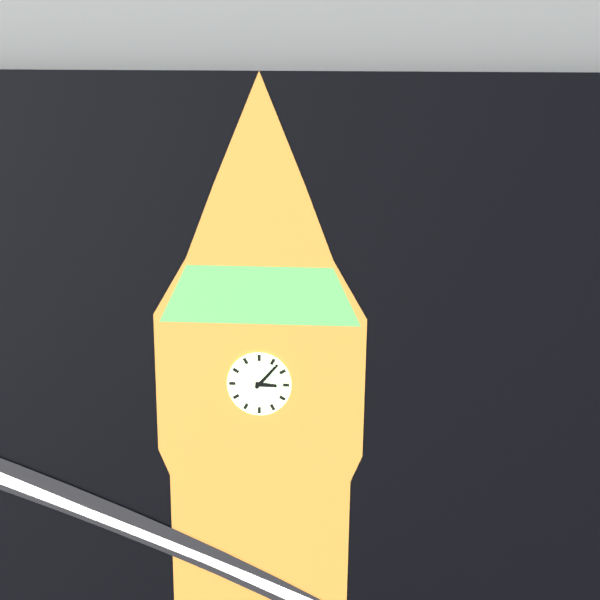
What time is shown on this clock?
3:07
